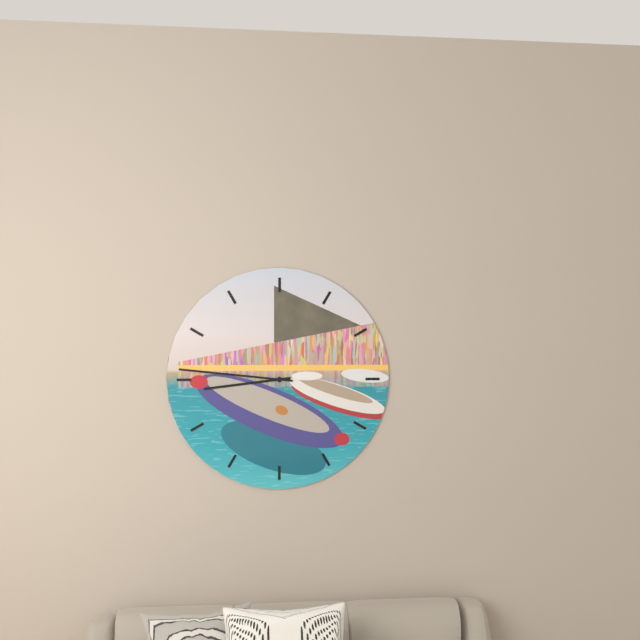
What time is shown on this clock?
8:46
